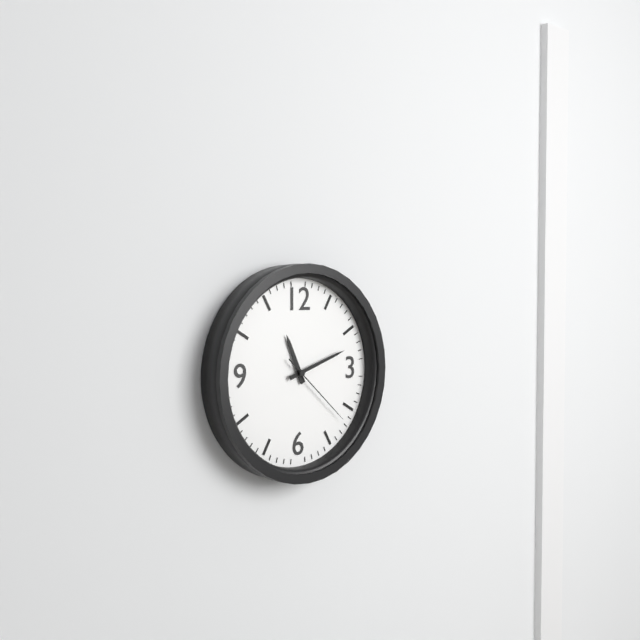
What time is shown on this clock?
11:12:22
